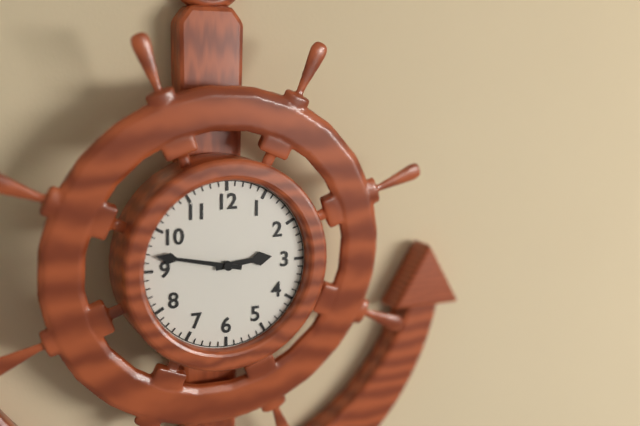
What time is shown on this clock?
2:47
